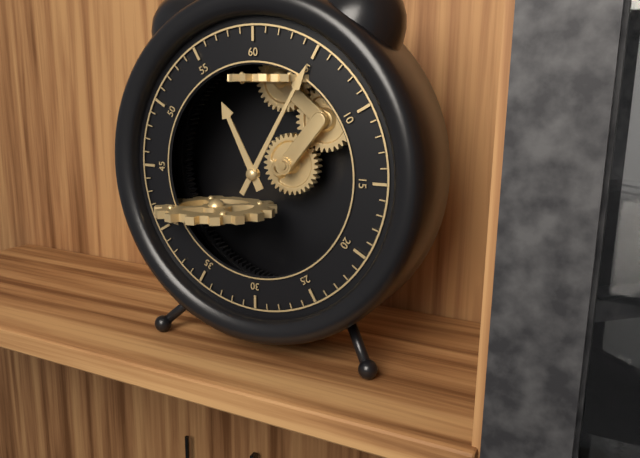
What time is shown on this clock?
11:05
